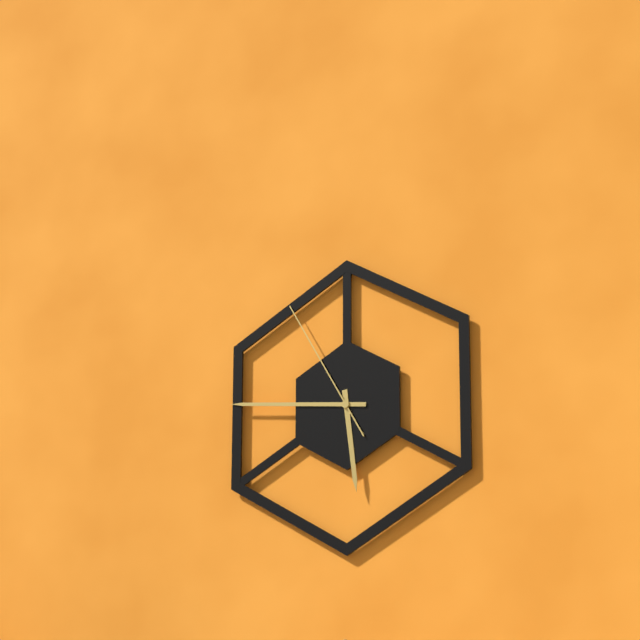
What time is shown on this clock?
5:46:55
